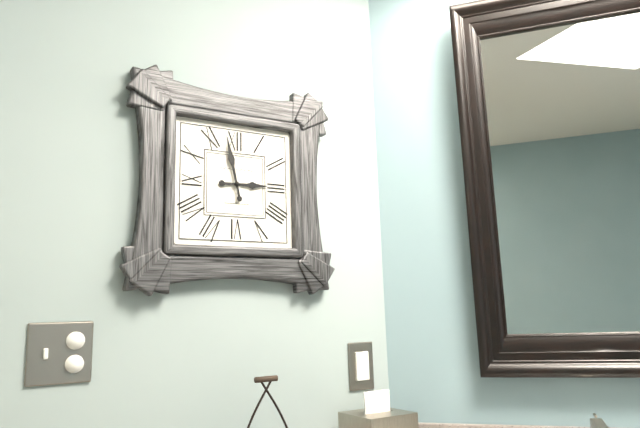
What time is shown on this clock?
2:58
